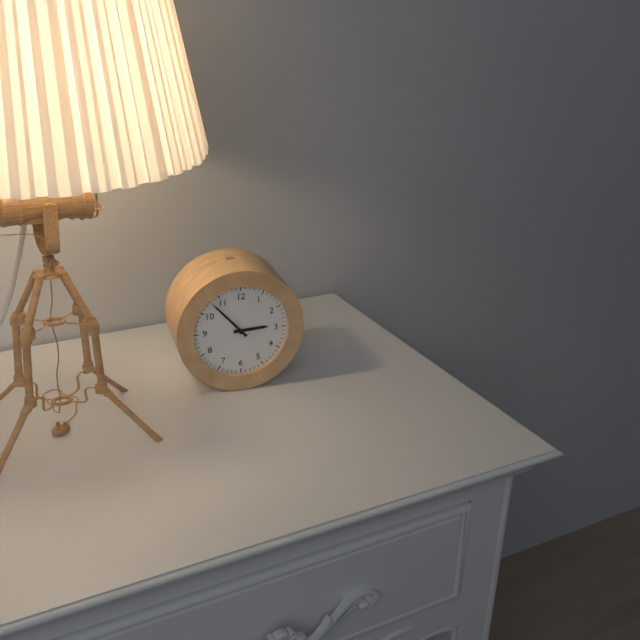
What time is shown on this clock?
2:53
